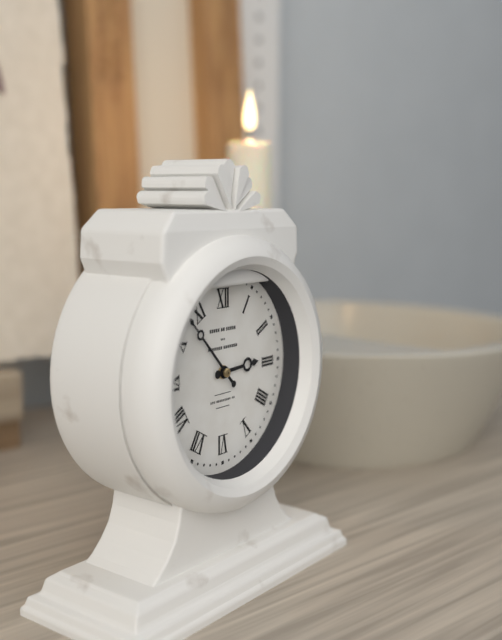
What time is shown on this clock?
2:53
